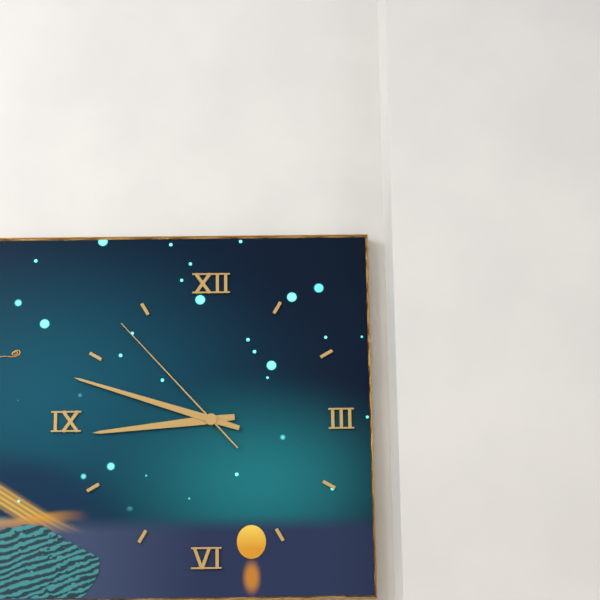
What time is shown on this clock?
8:48:53
